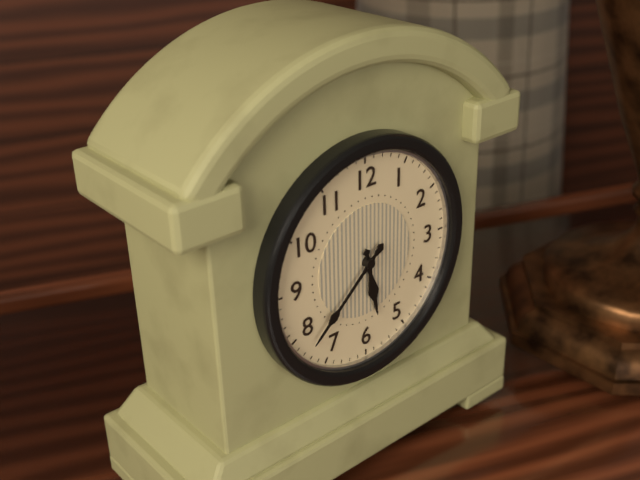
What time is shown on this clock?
5:38
